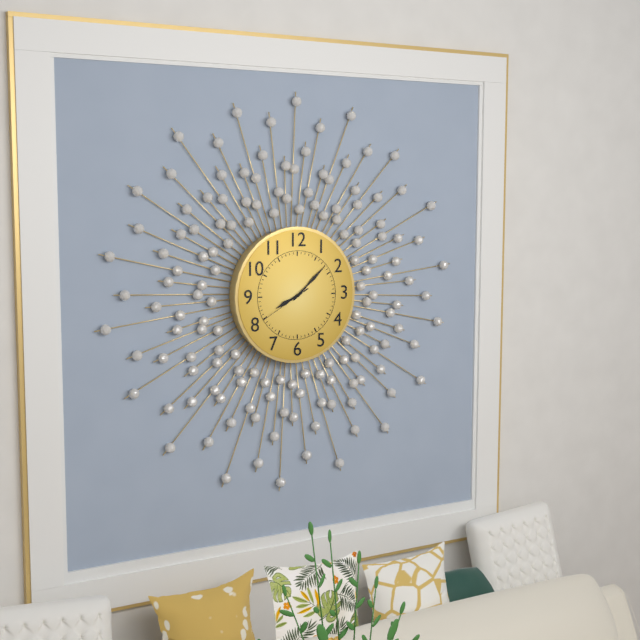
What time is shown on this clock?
8:08:40
